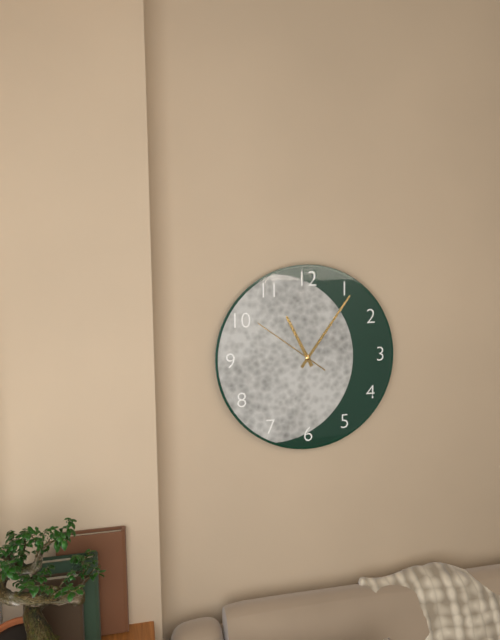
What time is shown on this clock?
11:06:51
